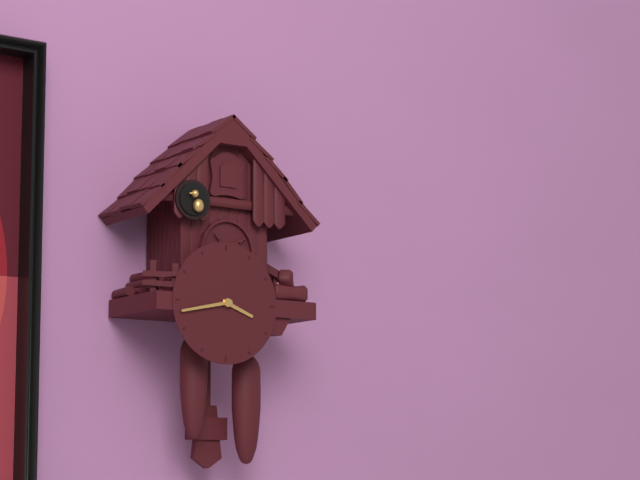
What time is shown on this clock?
3:43
